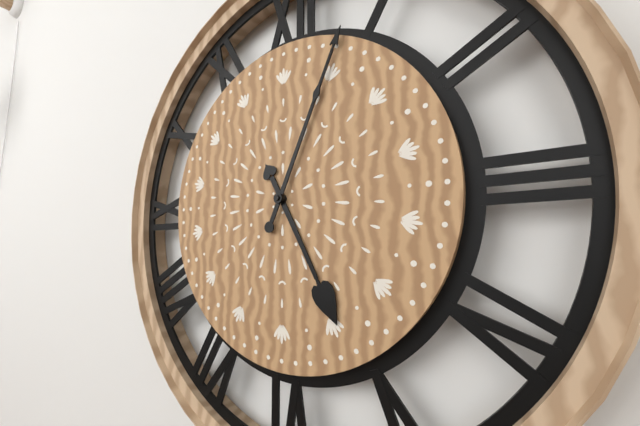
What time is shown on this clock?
5:04
